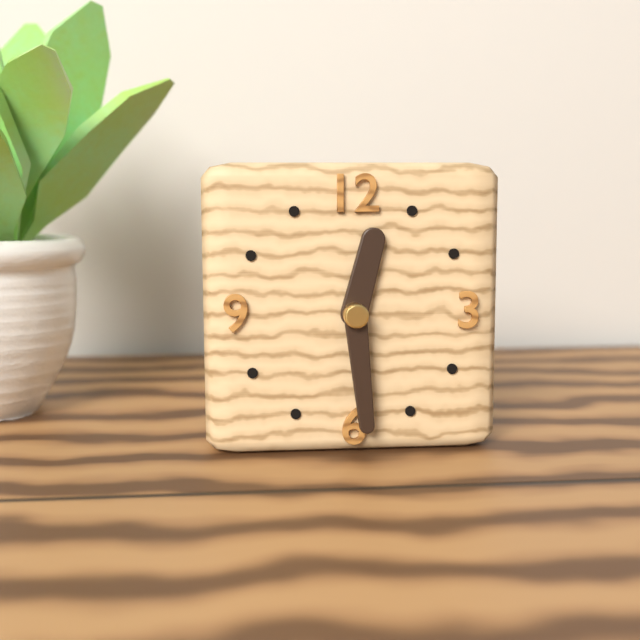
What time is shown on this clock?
12:29
